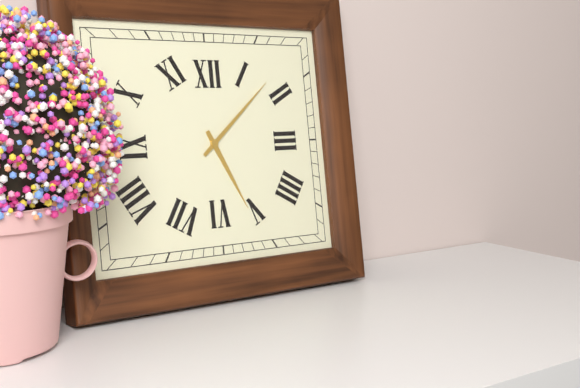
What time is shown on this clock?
5:08
